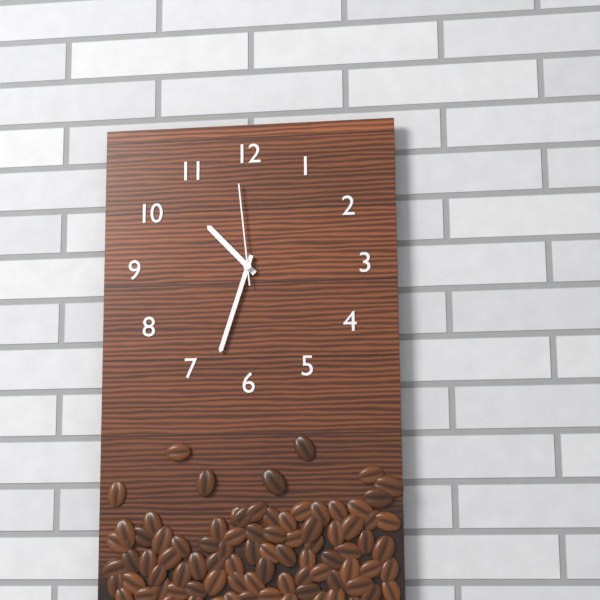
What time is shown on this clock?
10:33:59
